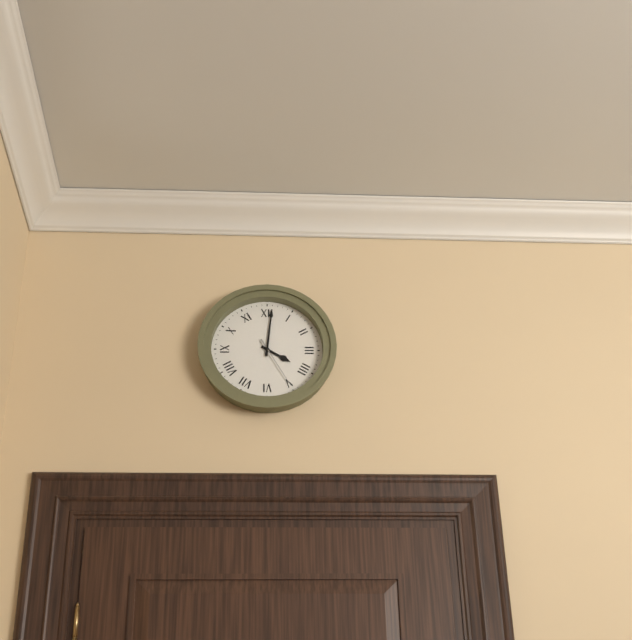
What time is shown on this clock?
4:01:25
